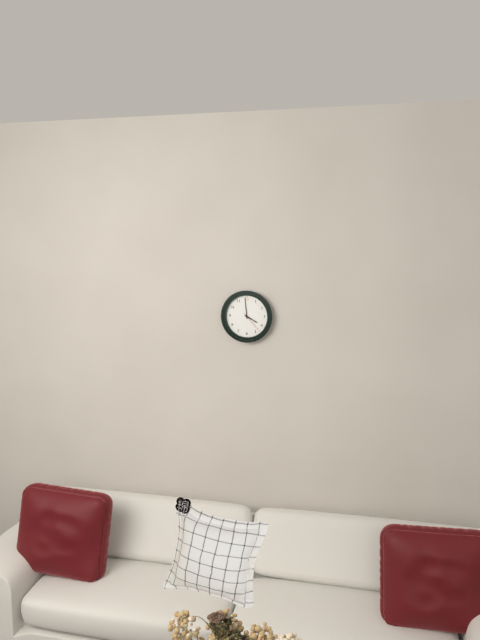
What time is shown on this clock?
3:59
